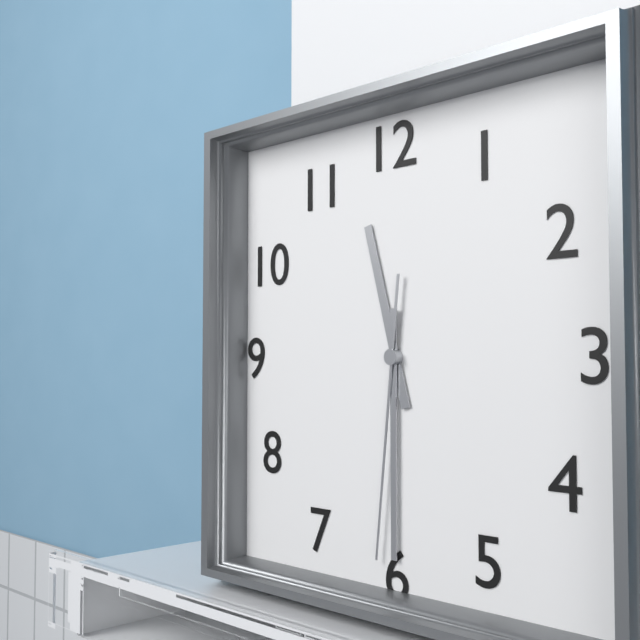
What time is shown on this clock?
11:30:31
